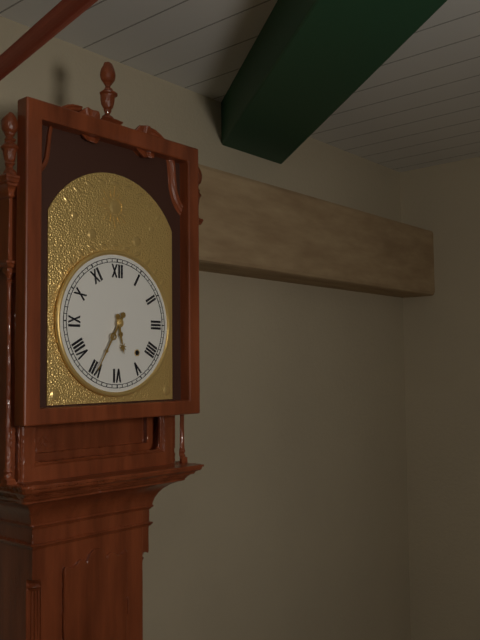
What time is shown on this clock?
5:35
